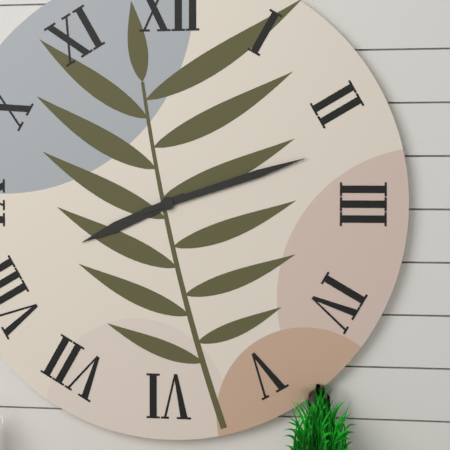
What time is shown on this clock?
8:12
